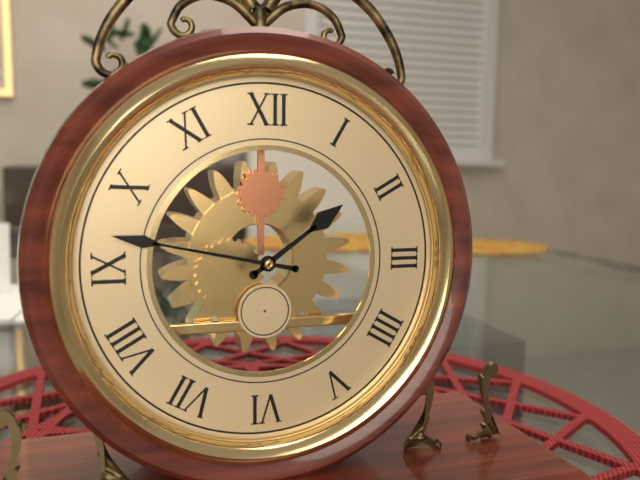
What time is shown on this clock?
1:47
